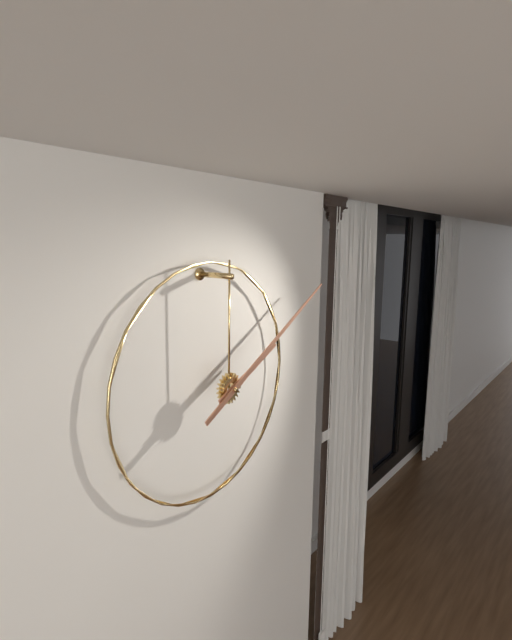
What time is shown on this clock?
2:10
